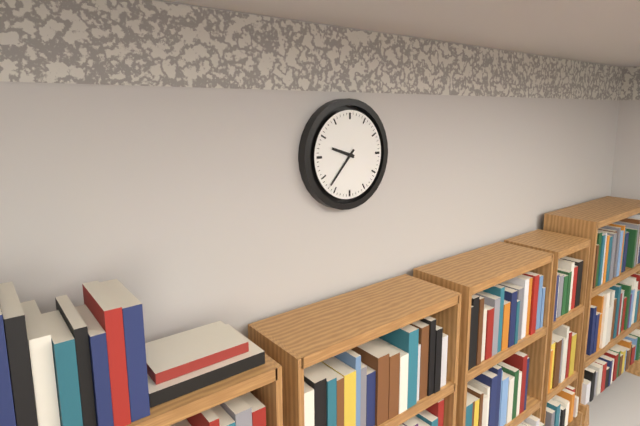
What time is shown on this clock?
9:37
